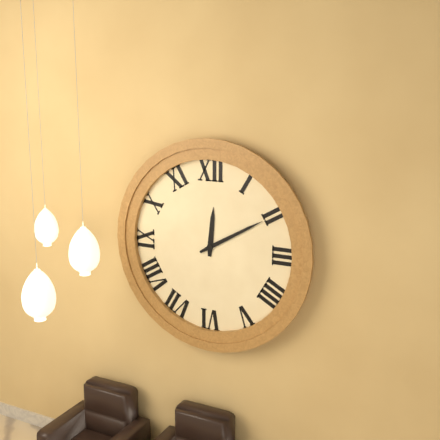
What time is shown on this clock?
12:10
